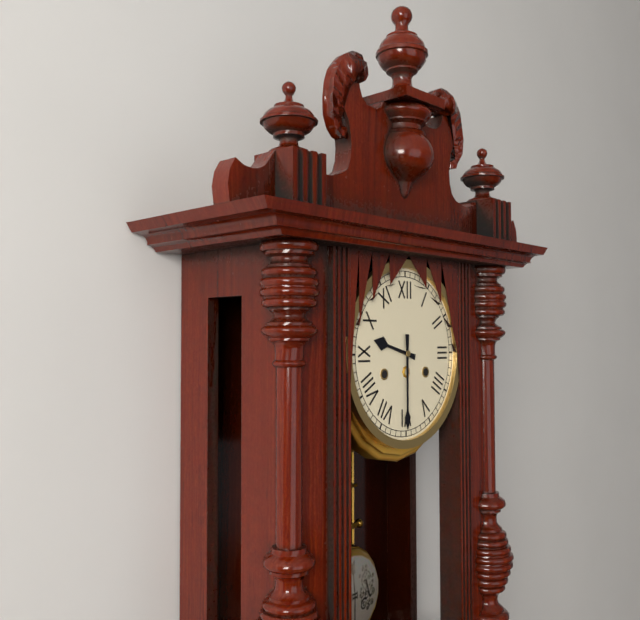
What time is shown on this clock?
9:30
